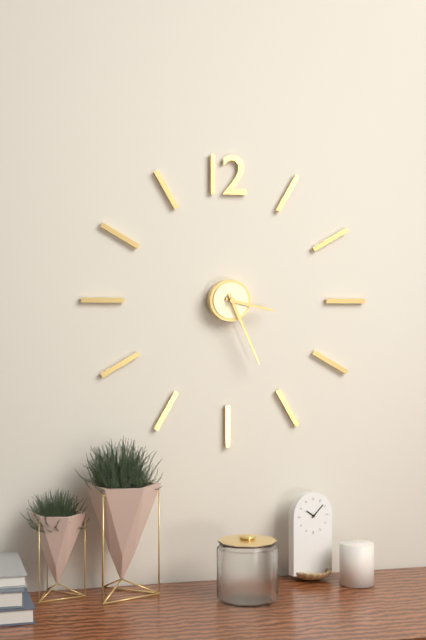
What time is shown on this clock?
3:26
